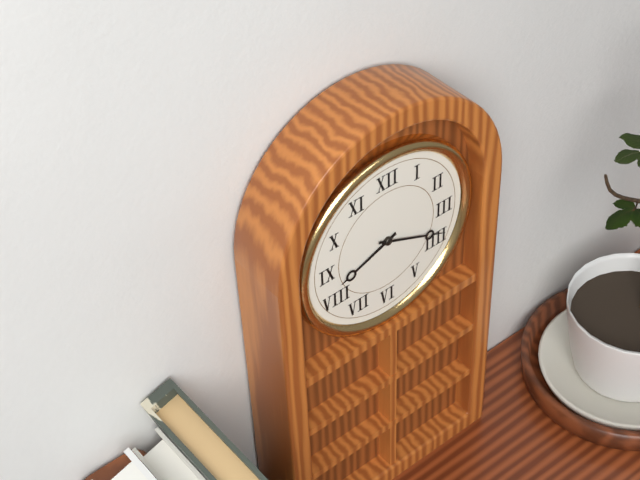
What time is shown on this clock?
8:19
